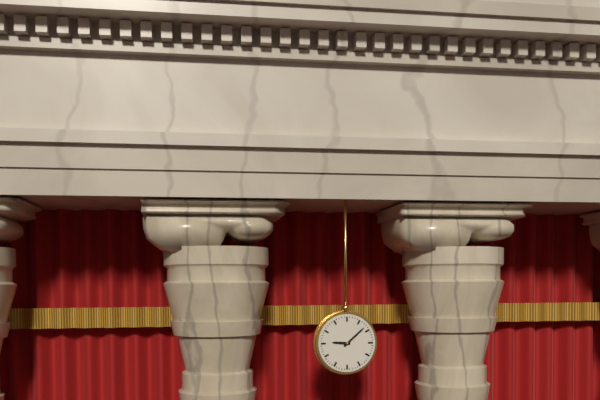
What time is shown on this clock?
9:08
